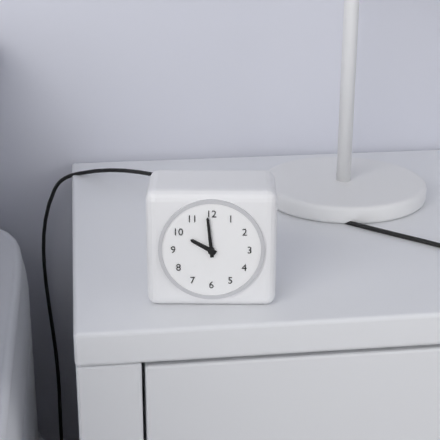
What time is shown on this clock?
9:59
